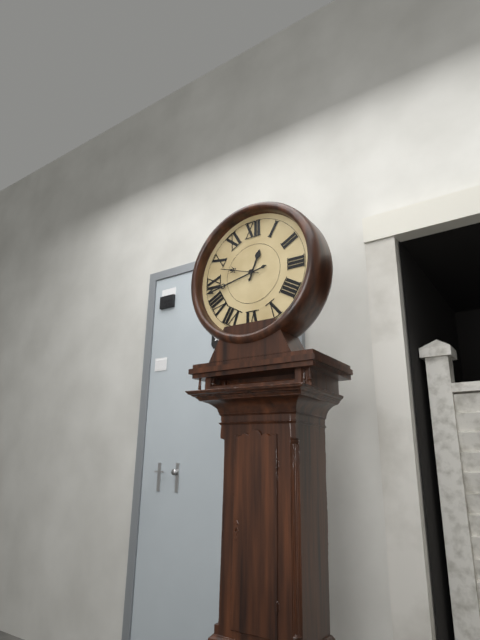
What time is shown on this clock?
12:43
